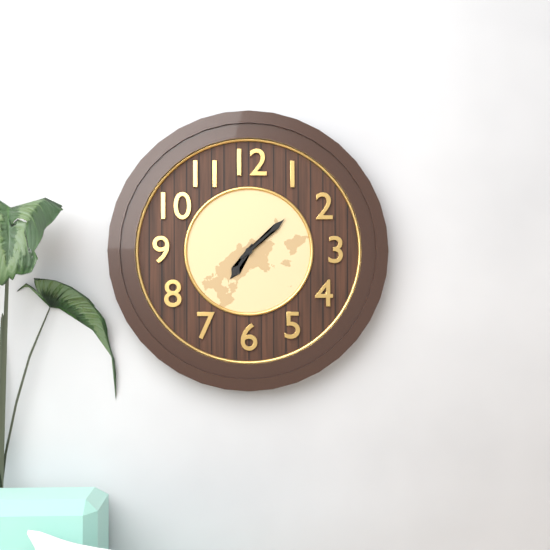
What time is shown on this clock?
7:08
